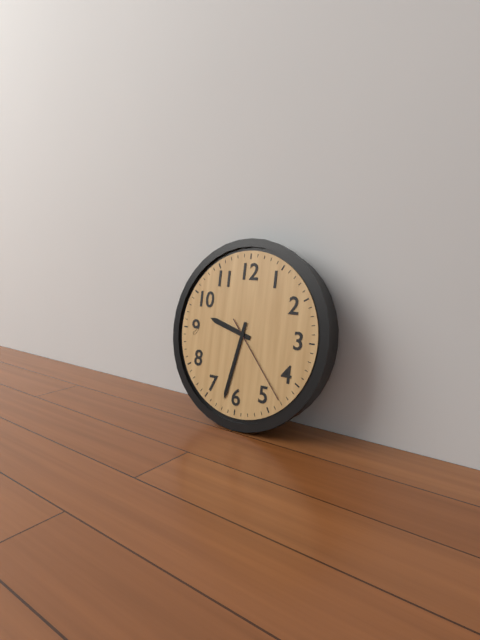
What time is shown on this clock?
9:32:23
